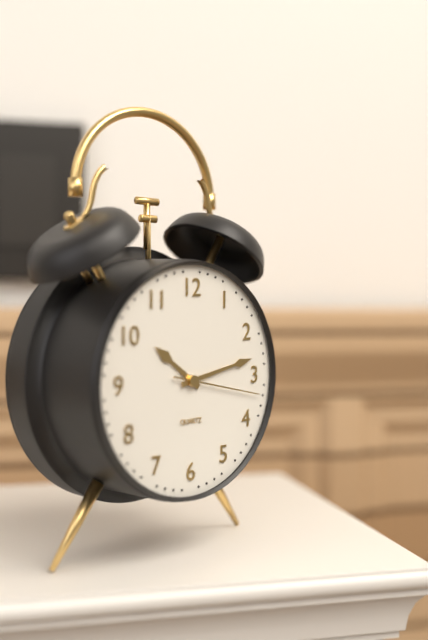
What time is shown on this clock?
10:13:17
